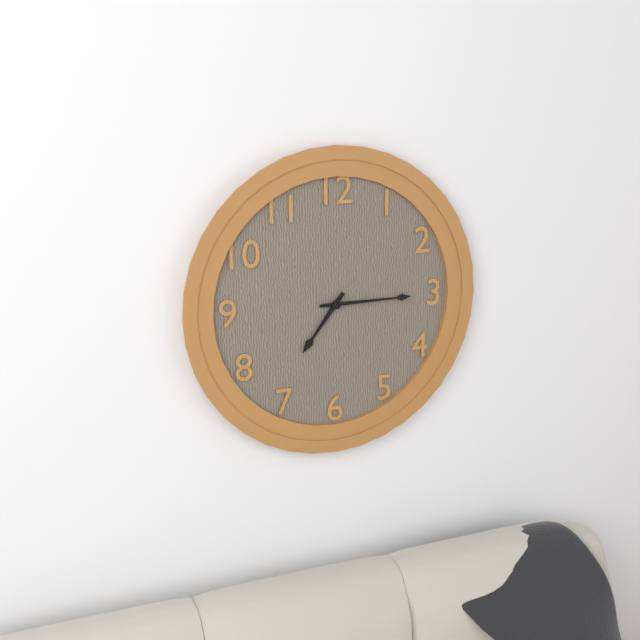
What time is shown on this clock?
7:15
